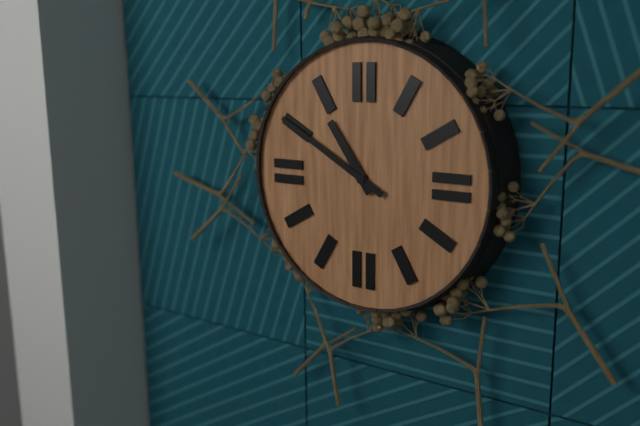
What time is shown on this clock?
10:50
